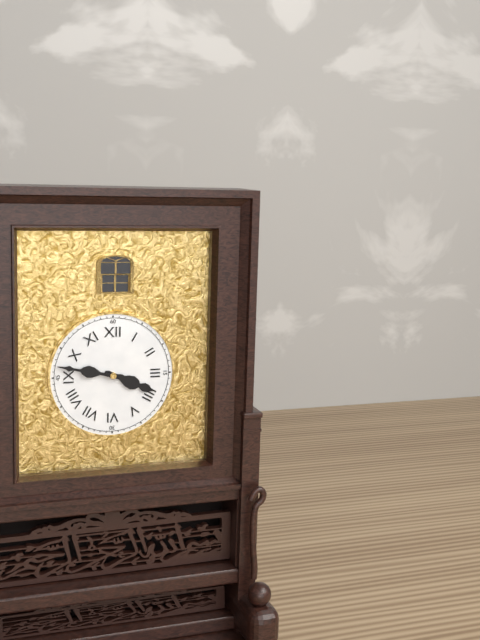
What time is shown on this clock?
3:47
